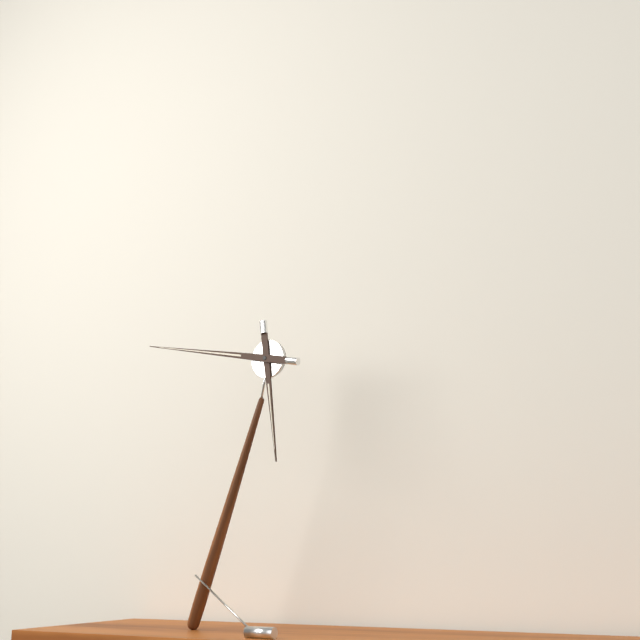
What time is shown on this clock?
5:47
